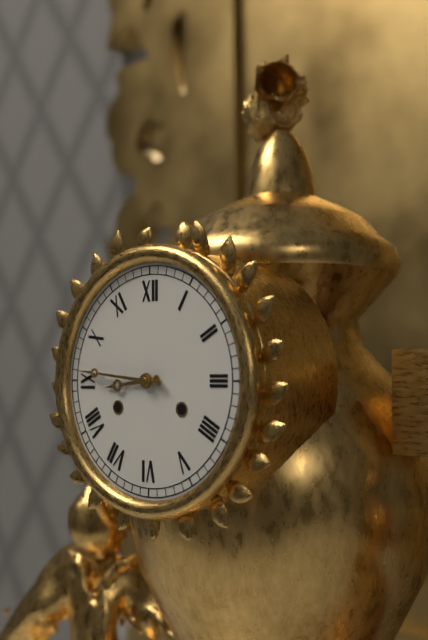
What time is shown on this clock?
8:46
